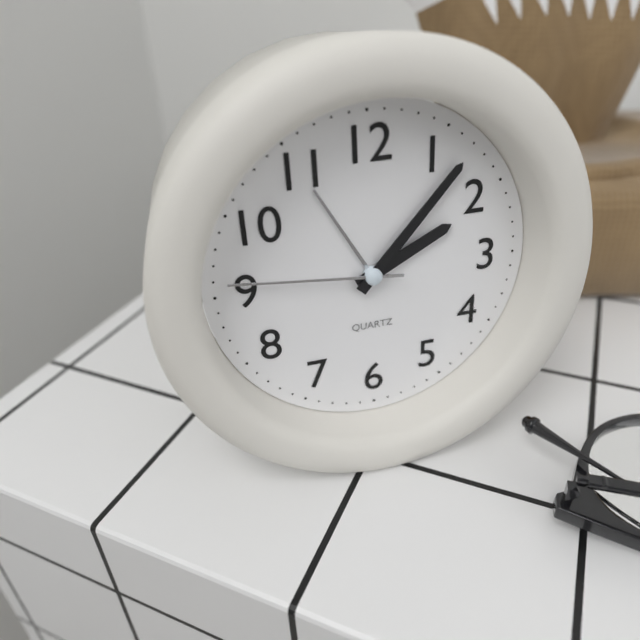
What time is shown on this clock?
2:07:46
